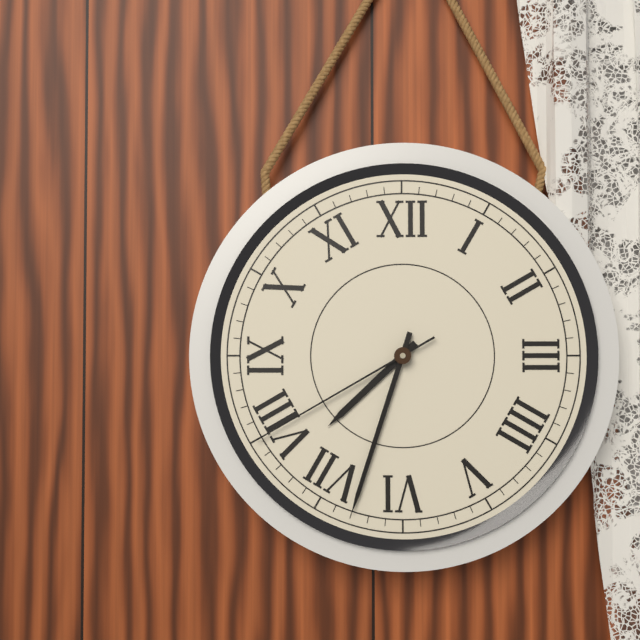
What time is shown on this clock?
7:33:40
